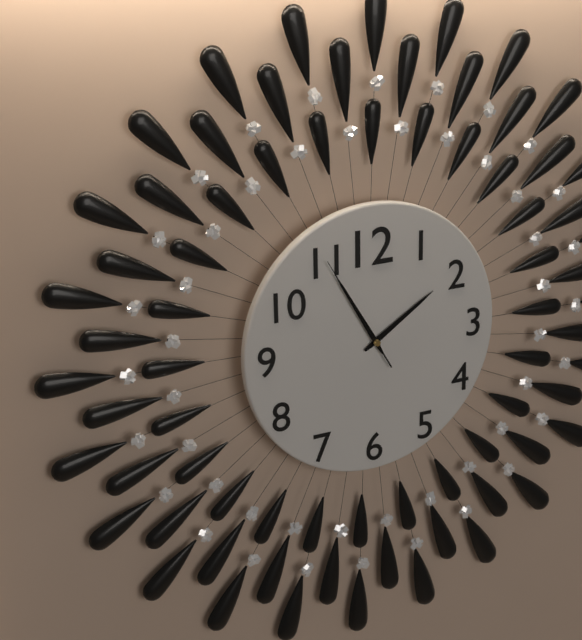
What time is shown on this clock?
1:55:55
